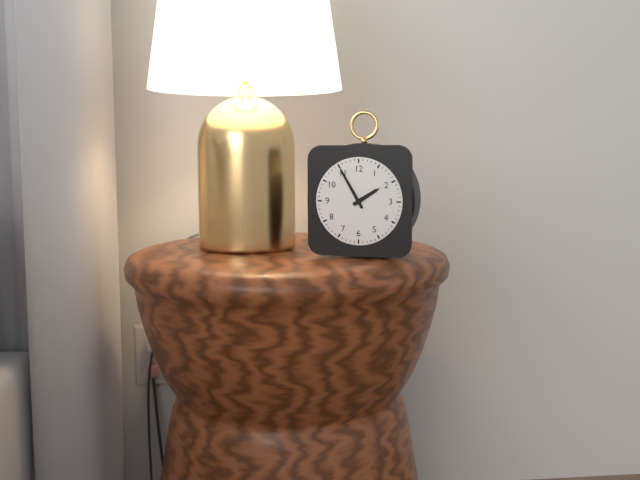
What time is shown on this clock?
1:55
